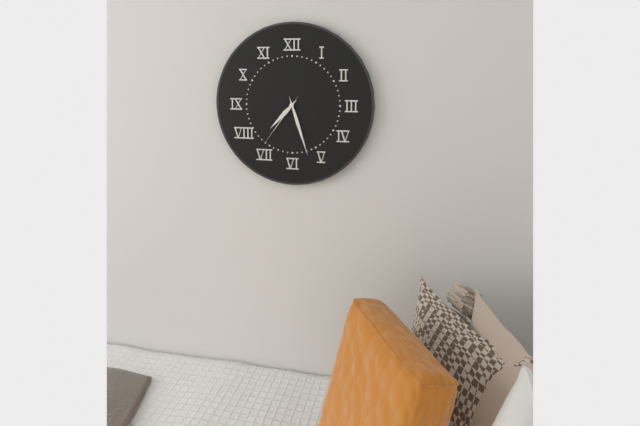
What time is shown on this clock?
7:27:36
